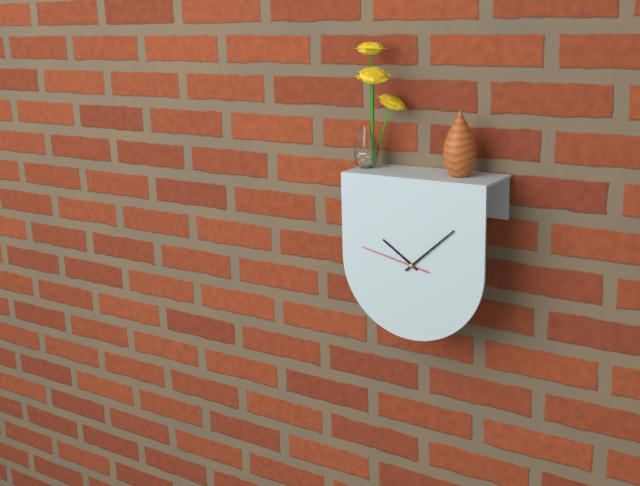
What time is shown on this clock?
10:08:47
